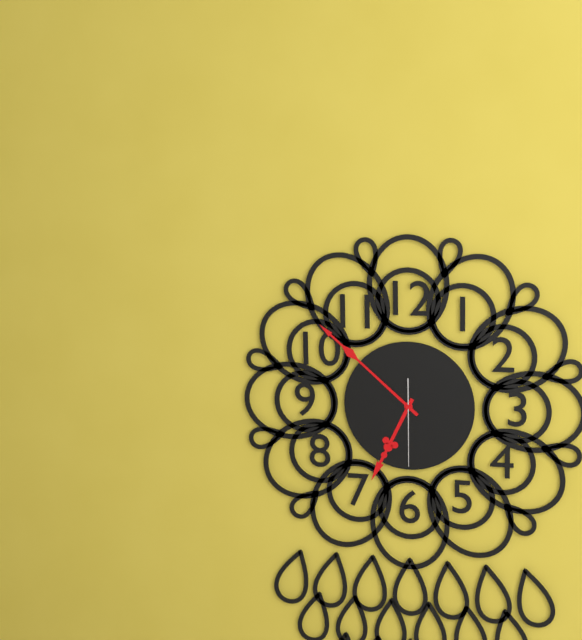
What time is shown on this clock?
6:52:30
